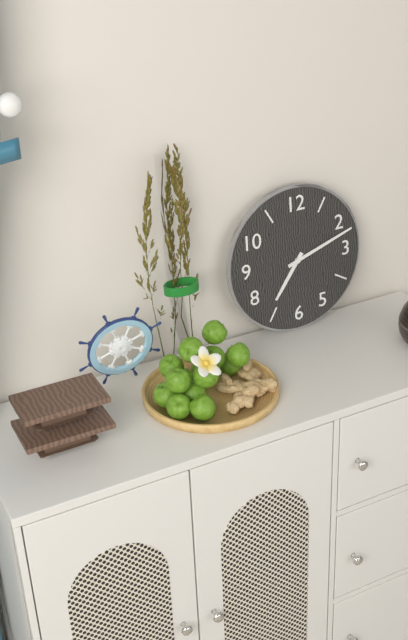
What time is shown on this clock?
7:12
